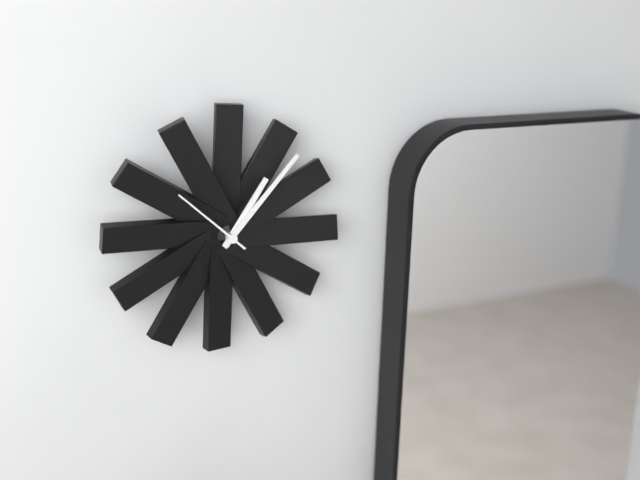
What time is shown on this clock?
1:07:52
